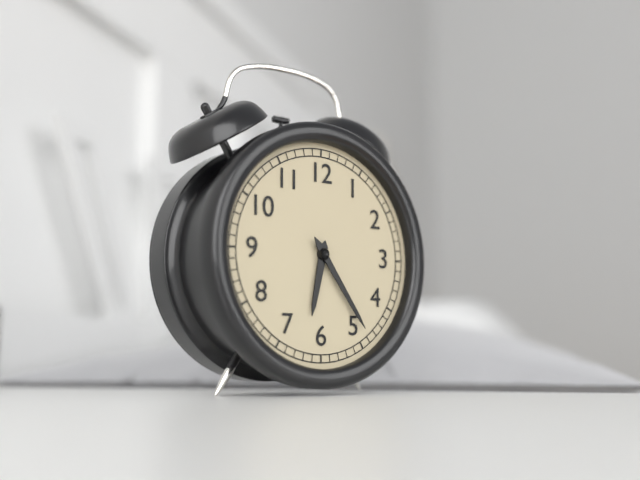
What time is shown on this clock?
6:24
